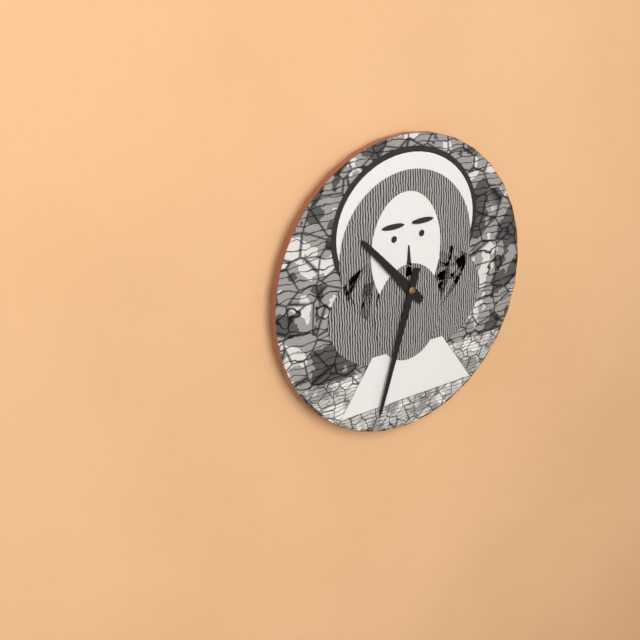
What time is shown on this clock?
10:33
